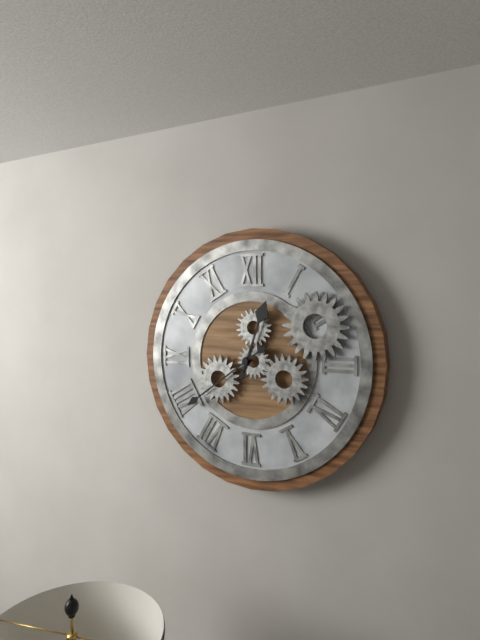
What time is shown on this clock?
12:39
